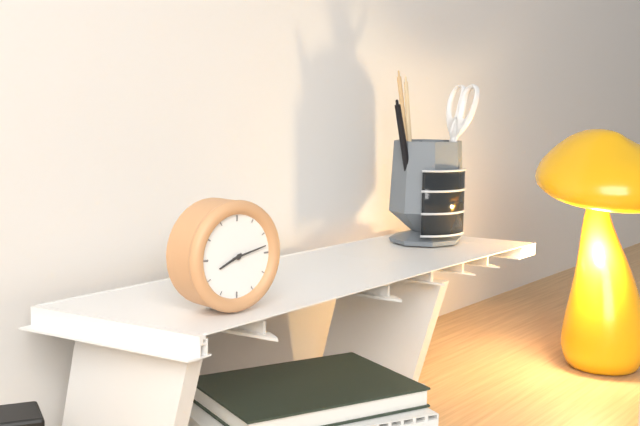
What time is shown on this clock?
8:13
